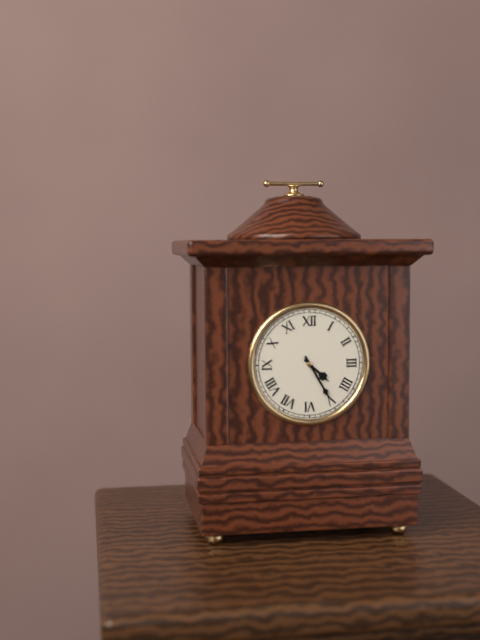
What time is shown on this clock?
4:25
